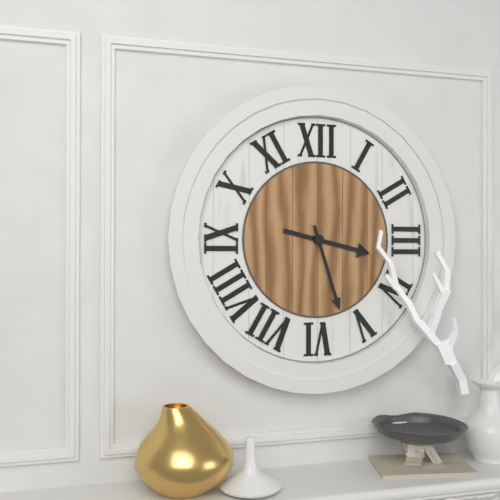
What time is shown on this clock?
3:27
